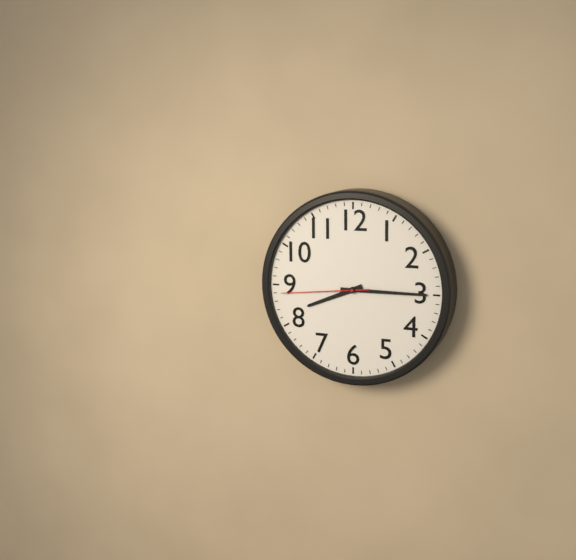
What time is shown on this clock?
8:15:44
